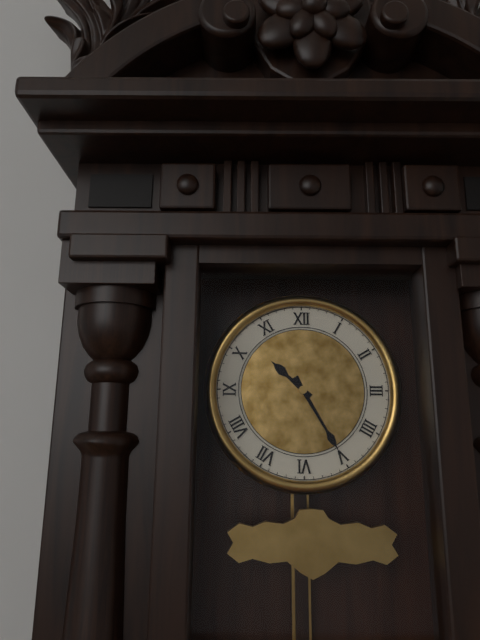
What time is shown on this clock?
10:25
